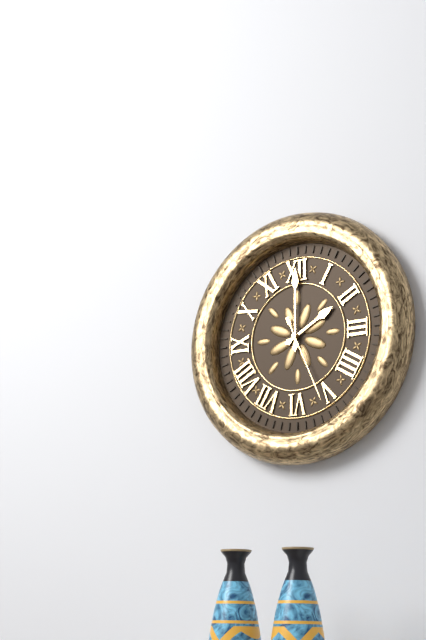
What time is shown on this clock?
2:00:26
